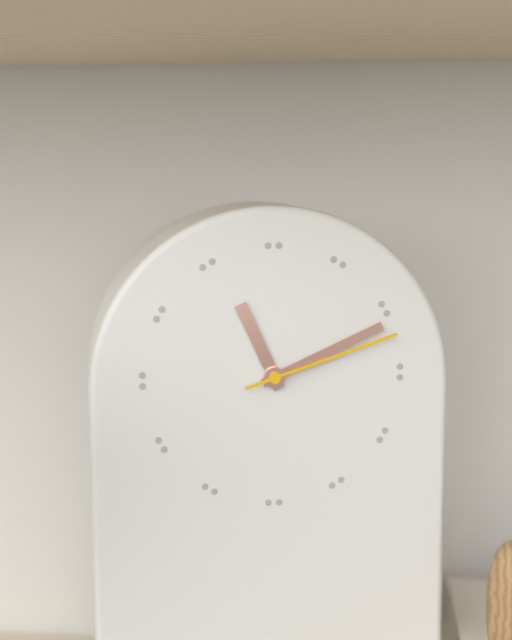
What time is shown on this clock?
11:11:12
